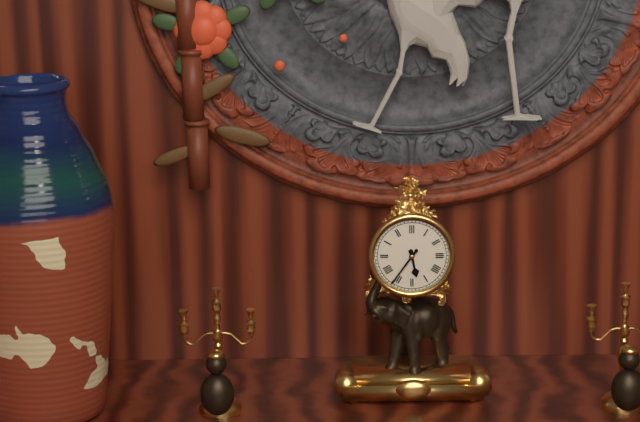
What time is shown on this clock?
5:36
